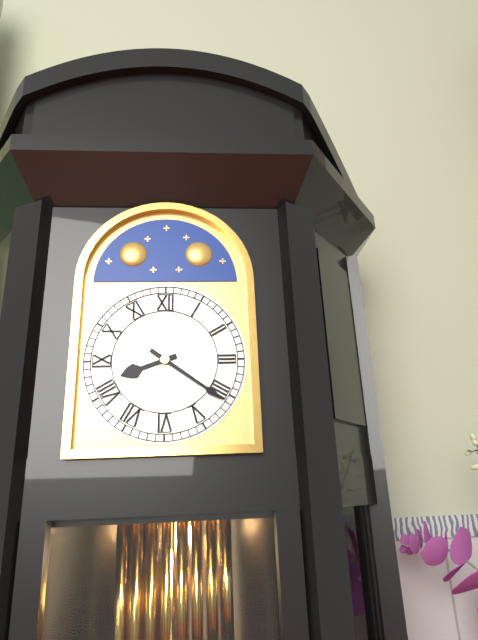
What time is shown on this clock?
8:21
